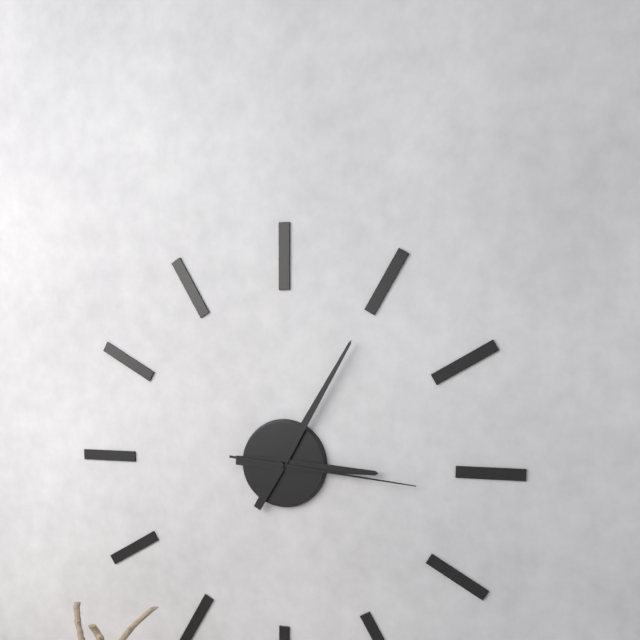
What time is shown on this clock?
3:05:16
